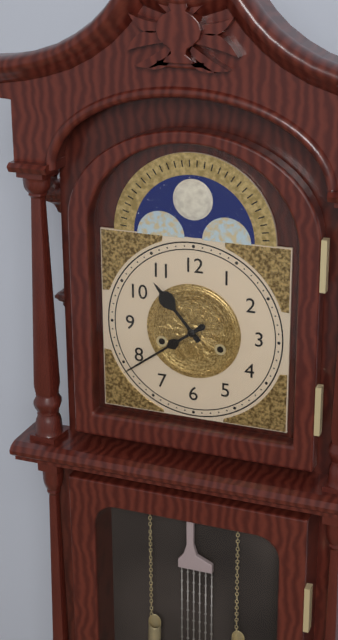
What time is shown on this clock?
10:39
